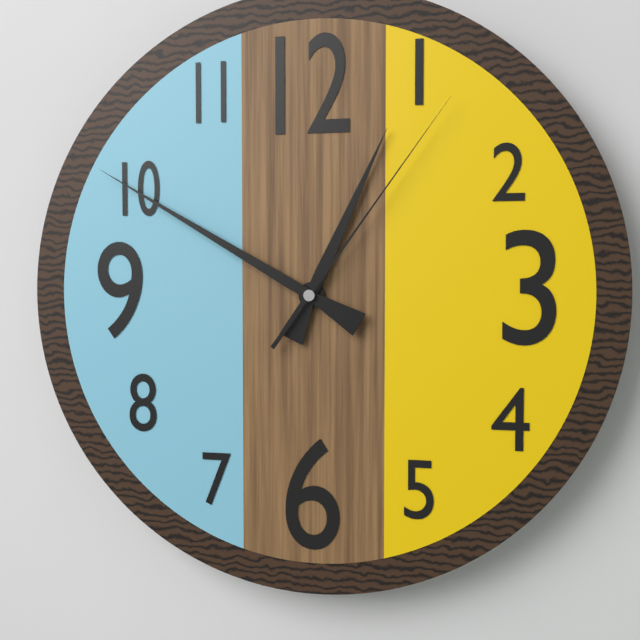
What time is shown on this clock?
12:50:06
